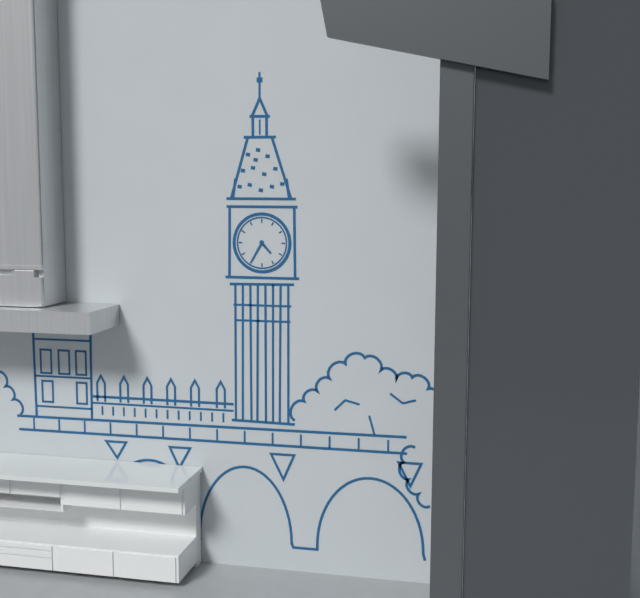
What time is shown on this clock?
4:35
